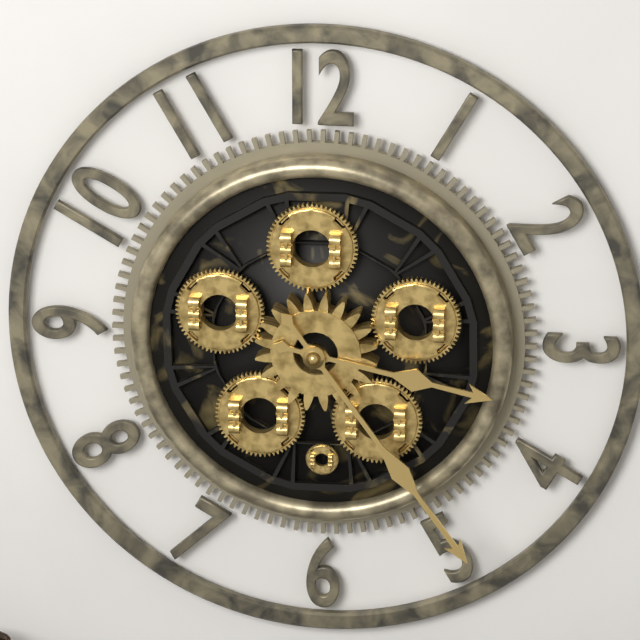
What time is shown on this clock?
3:24
